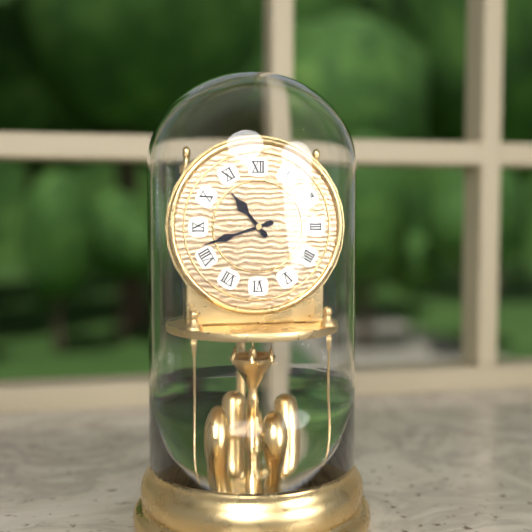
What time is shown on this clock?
10:42
